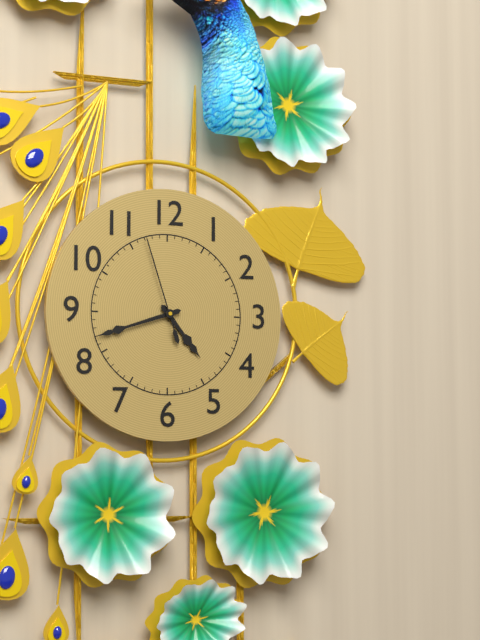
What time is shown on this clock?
4:42:57
